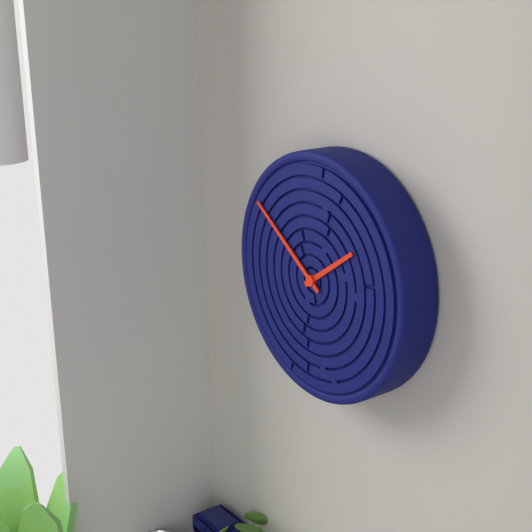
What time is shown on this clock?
1:51
